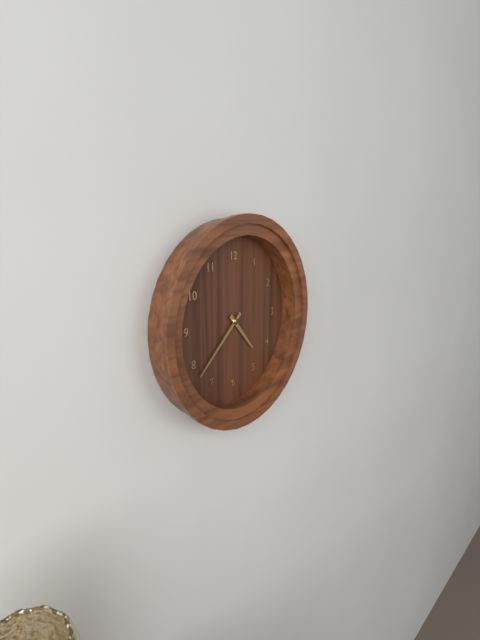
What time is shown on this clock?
4:38
